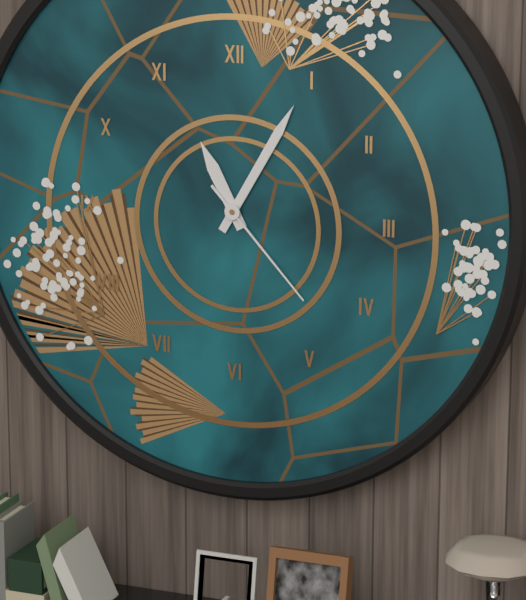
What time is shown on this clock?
11:05:23
